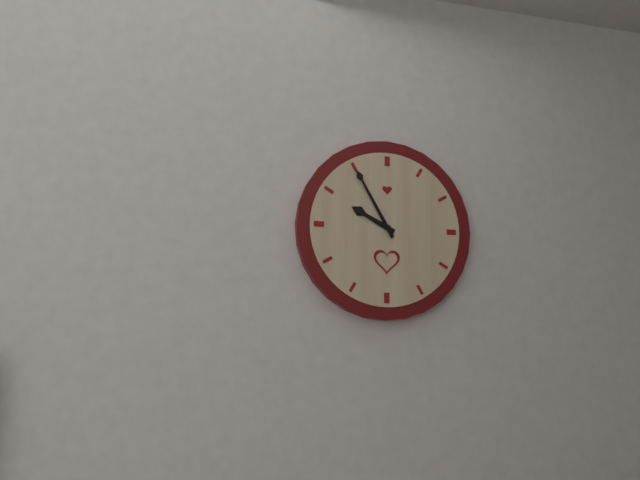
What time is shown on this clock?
9:55
